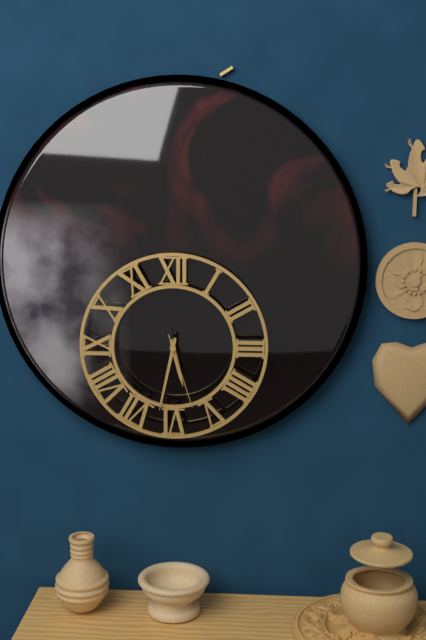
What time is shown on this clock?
5:32:27
